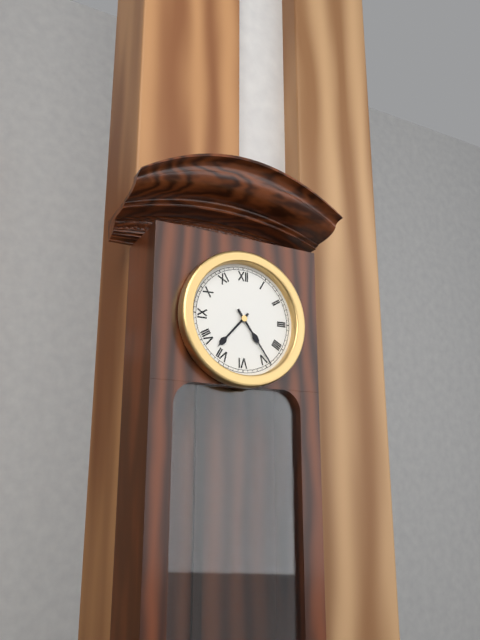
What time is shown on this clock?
7:24
